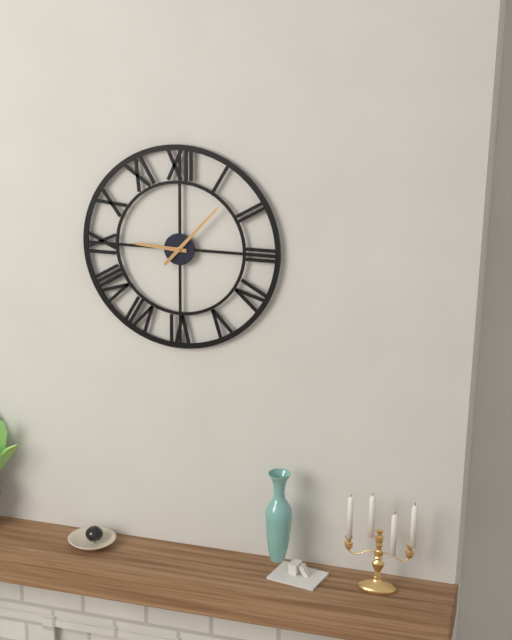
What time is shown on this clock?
9:07
